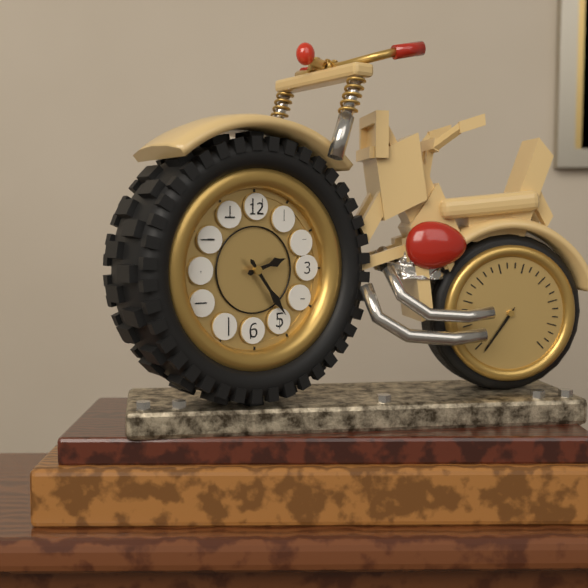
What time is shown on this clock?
2:24
